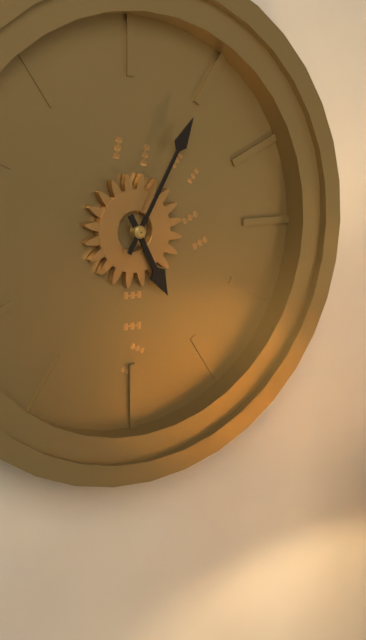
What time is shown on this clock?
5:05
